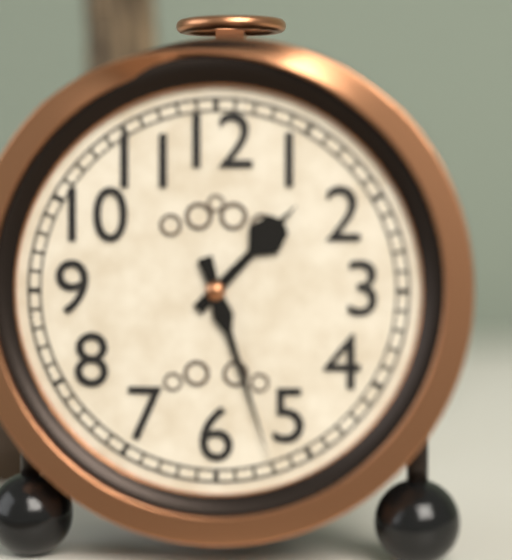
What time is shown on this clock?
1:27
